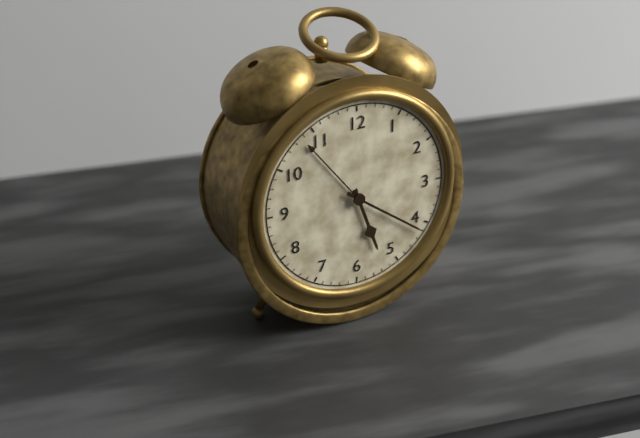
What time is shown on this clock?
5:21
